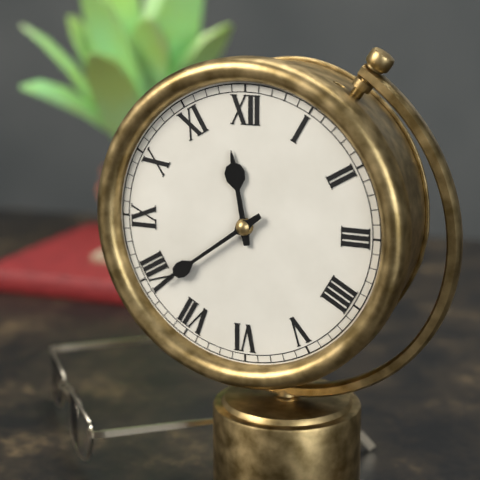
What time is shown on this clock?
11:39
